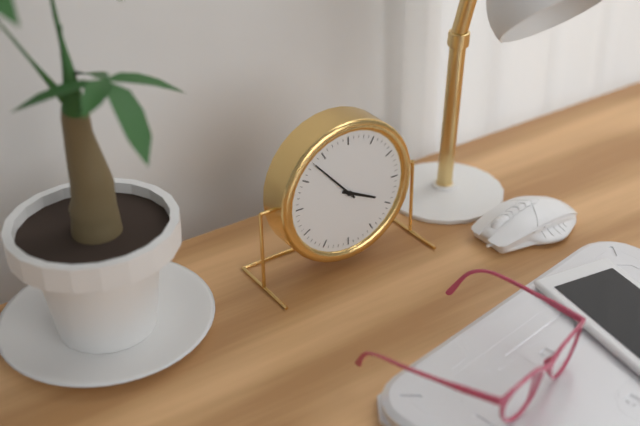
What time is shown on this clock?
3:53
